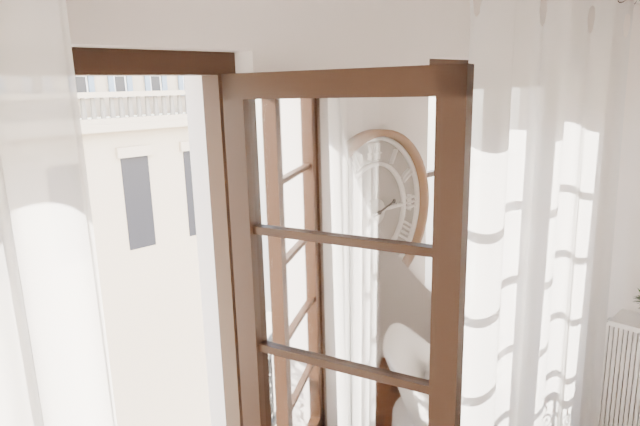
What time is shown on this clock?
8:42
